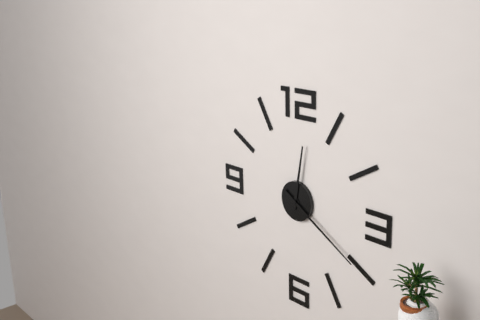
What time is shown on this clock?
12:20
